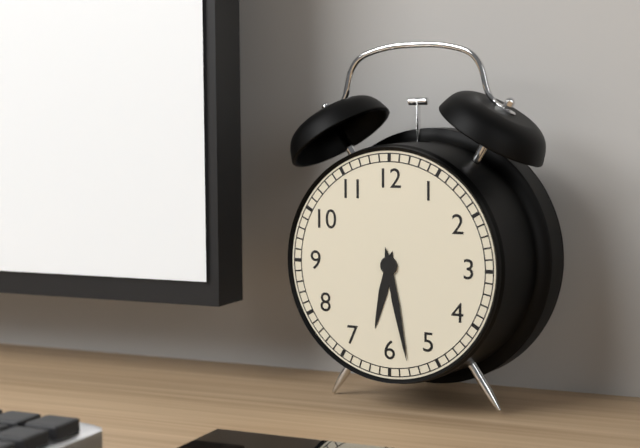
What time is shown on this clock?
6:28
